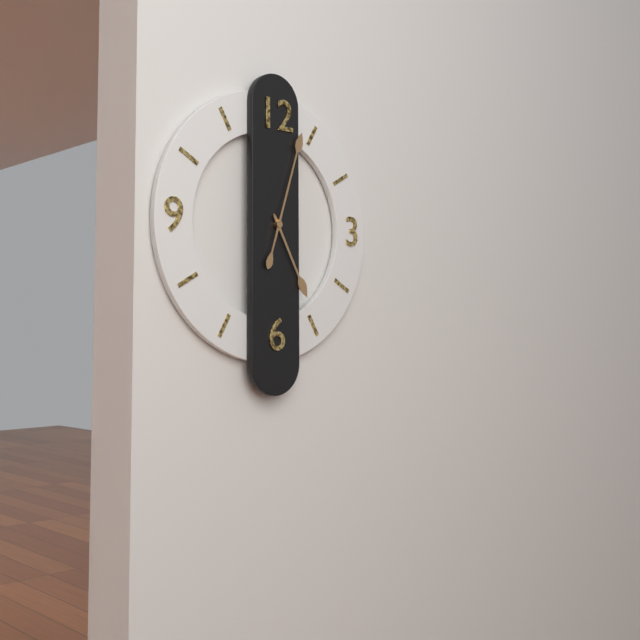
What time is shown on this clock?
5:03
